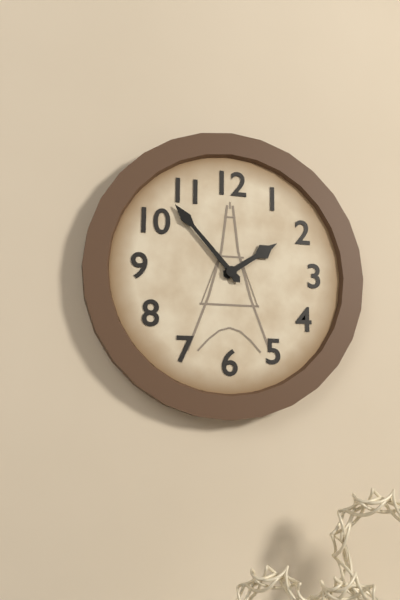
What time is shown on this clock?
1:53
